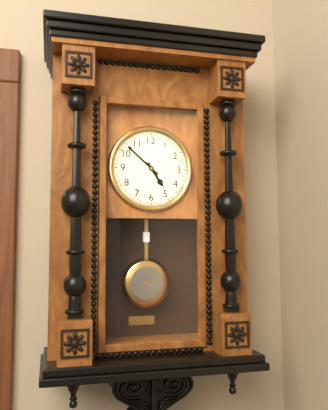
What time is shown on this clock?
4:52
